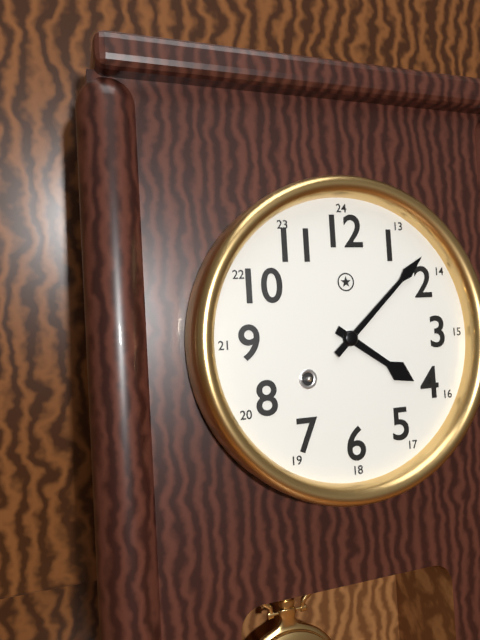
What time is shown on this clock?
4:08
